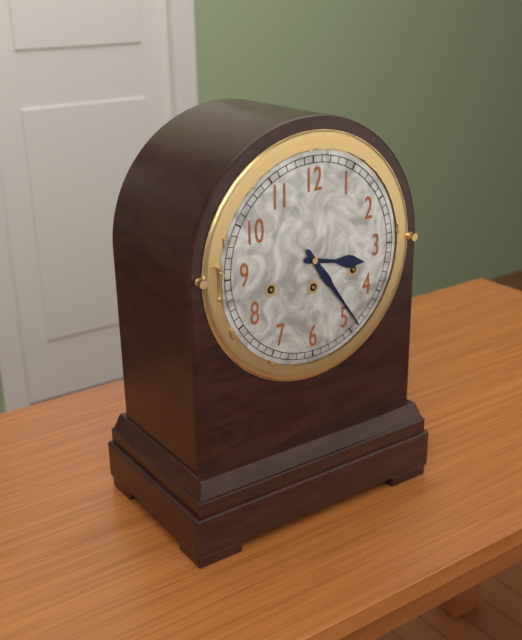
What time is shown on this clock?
3:24
